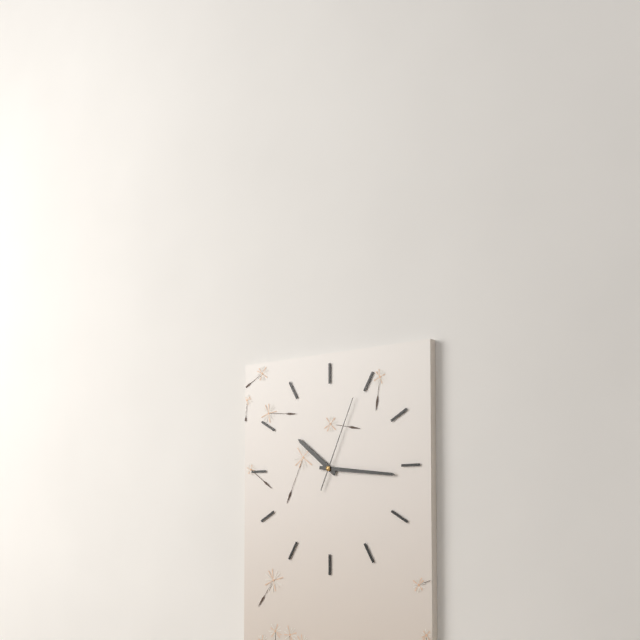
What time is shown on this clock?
10:16:04
